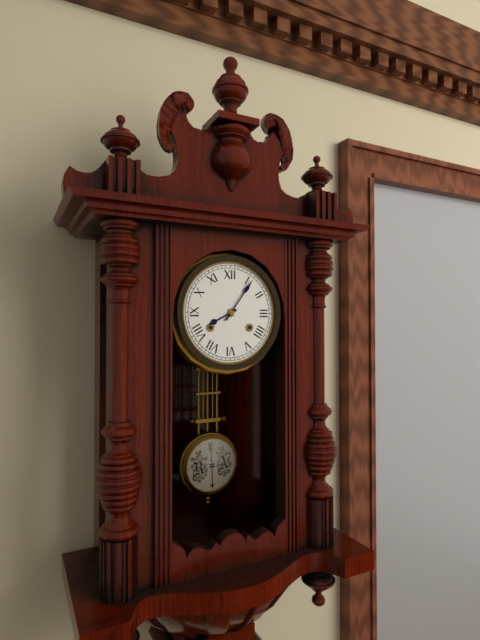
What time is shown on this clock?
8:06
